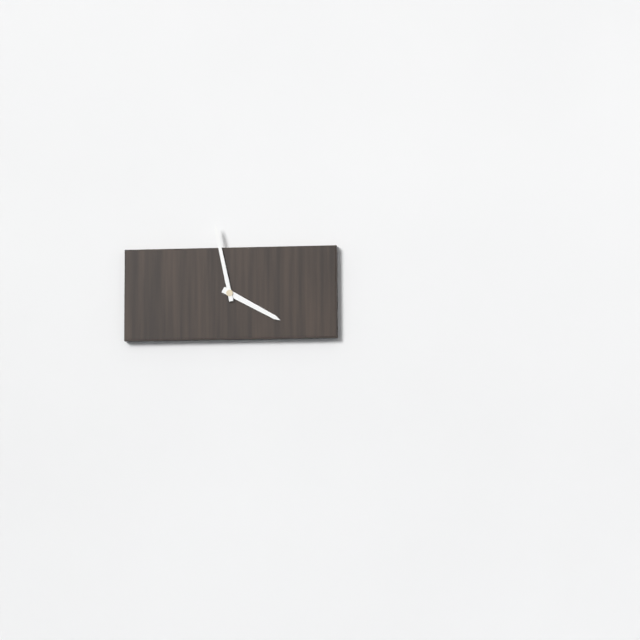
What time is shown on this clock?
3:58
